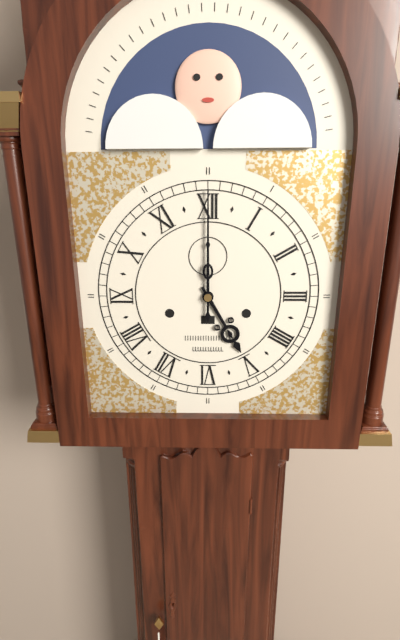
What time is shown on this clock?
5:00
